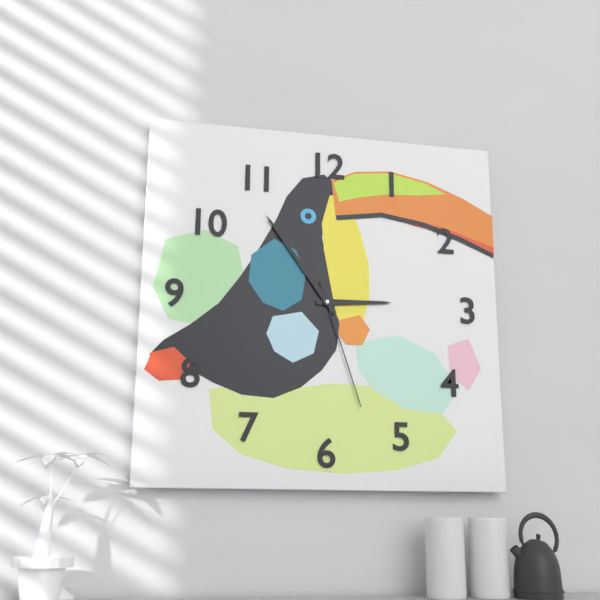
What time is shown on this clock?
2:54:27
